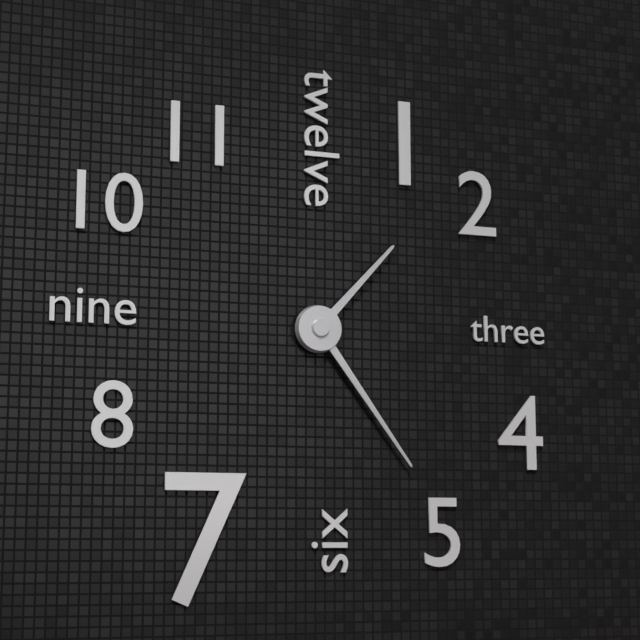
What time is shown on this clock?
1:24
